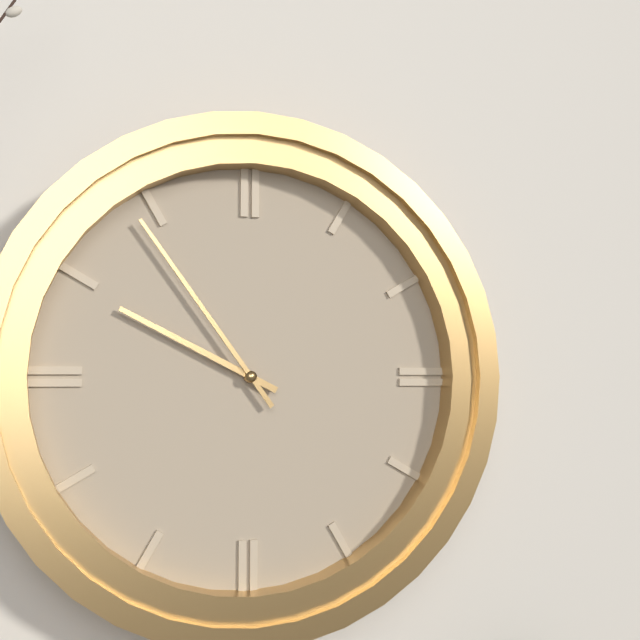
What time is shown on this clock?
9:54
